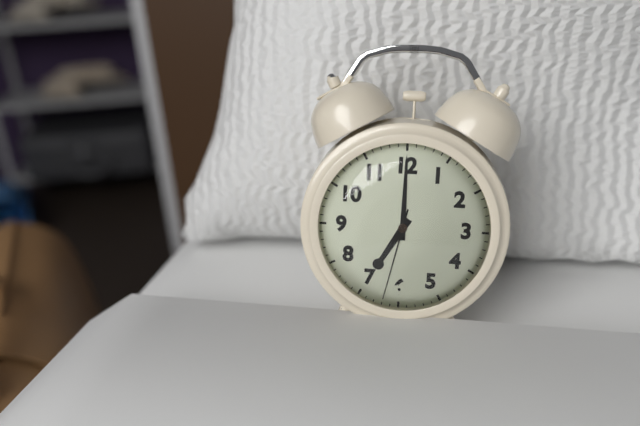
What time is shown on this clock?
7:00:32
